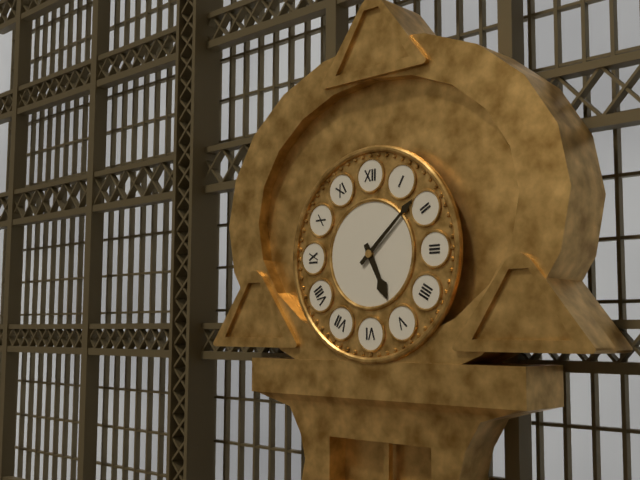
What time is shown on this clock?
5:08
